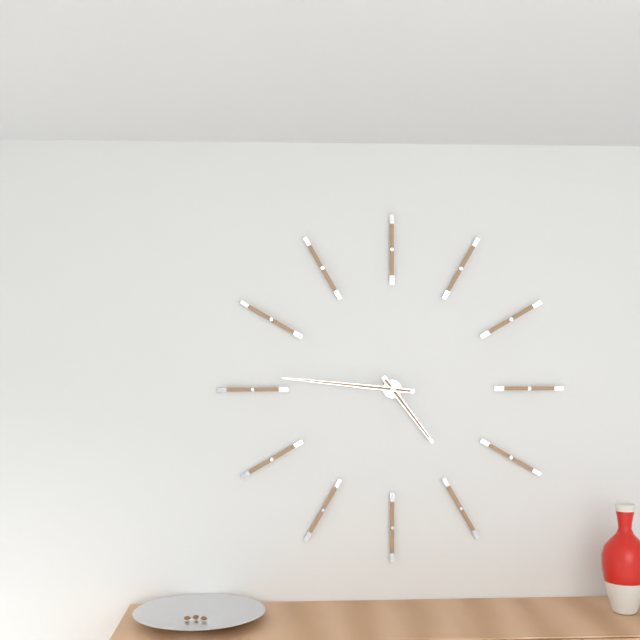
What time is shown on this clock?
4:46
